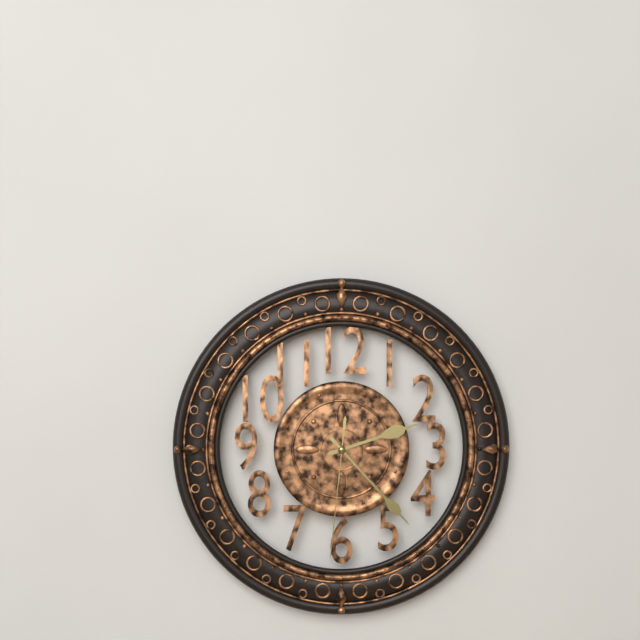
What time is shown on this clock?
2:23:31
